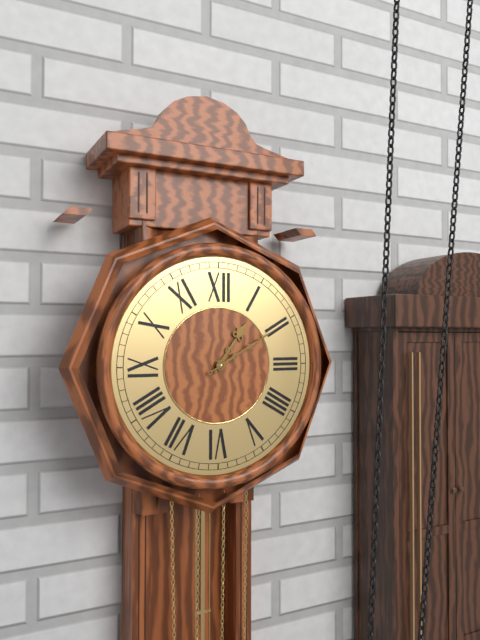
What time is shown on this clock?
1:10
